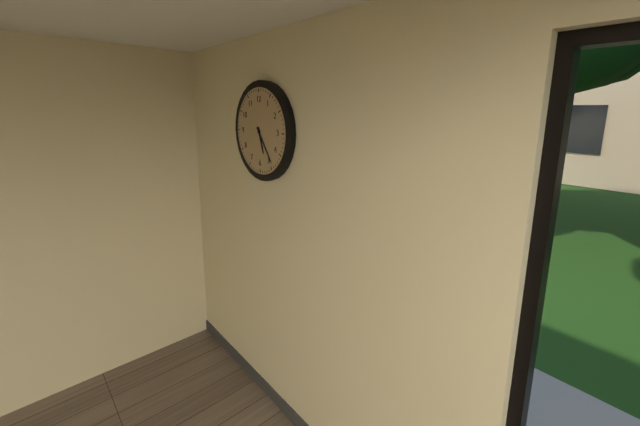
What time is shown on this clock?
5:24
